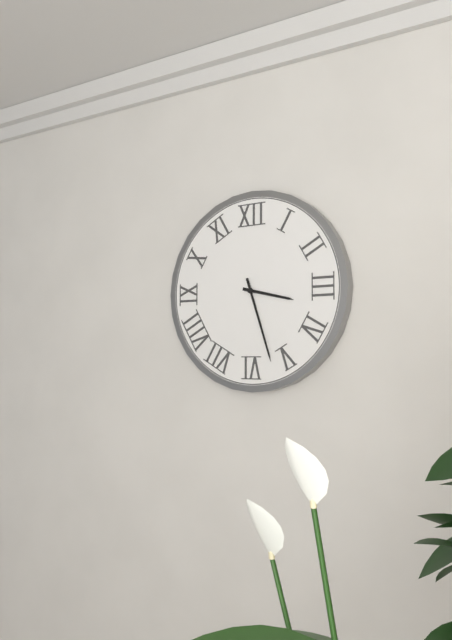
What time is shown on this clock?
3:27
